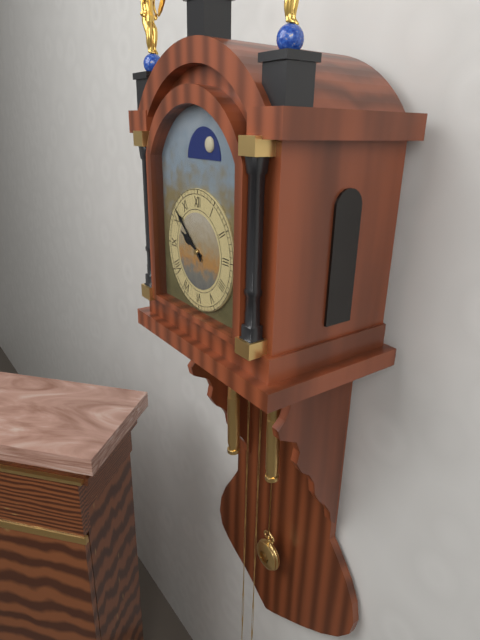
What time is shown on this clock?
9:52
